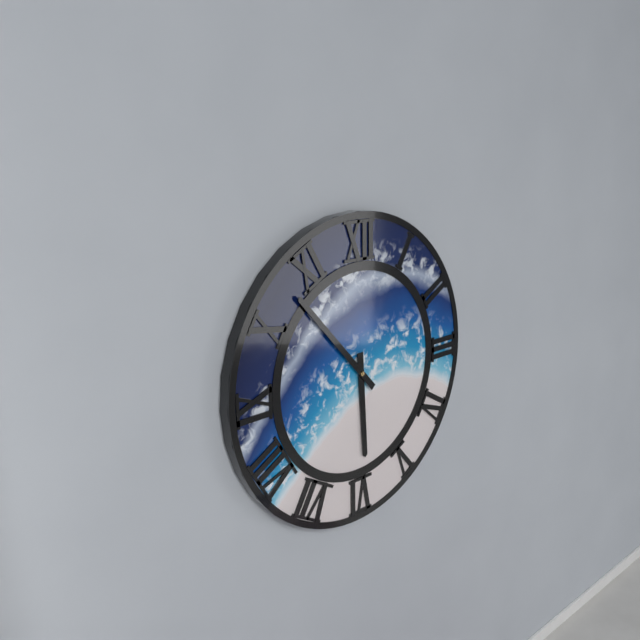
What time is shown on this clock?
5:53
